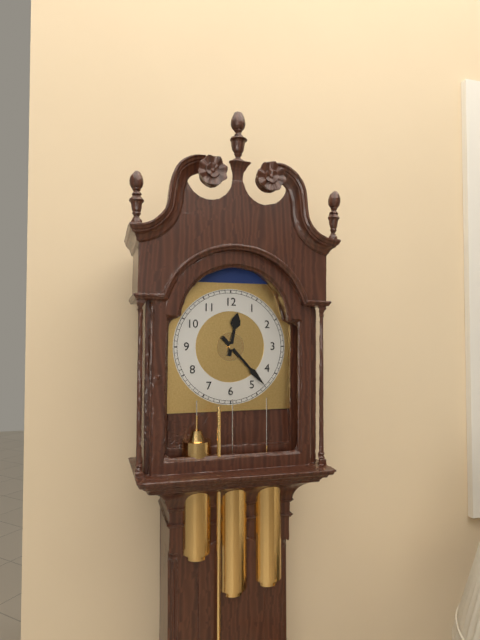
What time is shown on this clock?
12:23
